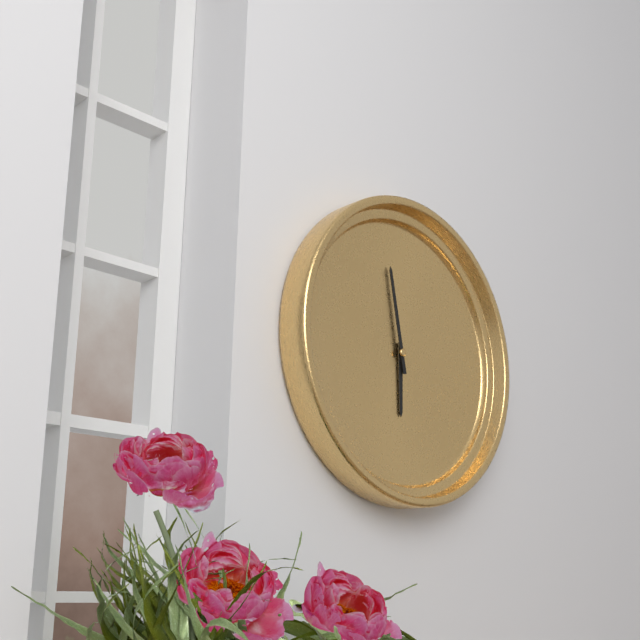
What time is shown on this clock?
5:58
